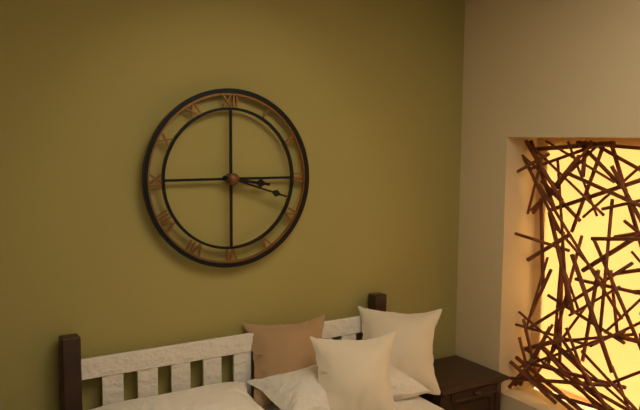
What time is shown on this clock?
3:18
